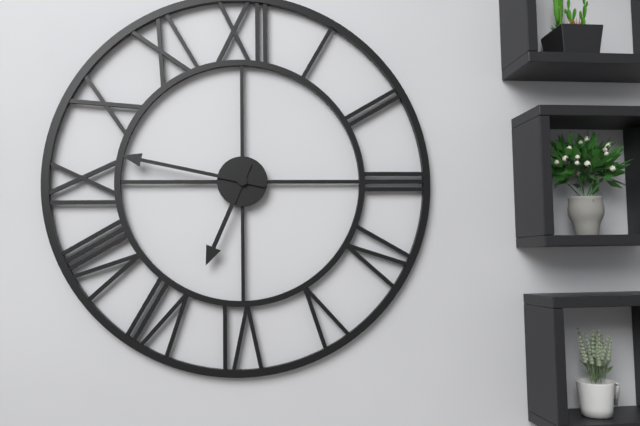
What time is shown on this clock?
6:47
